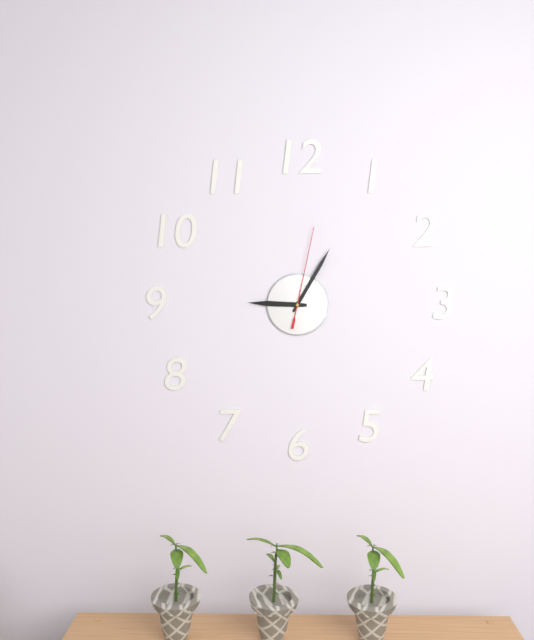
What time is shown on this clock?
9:05:02
